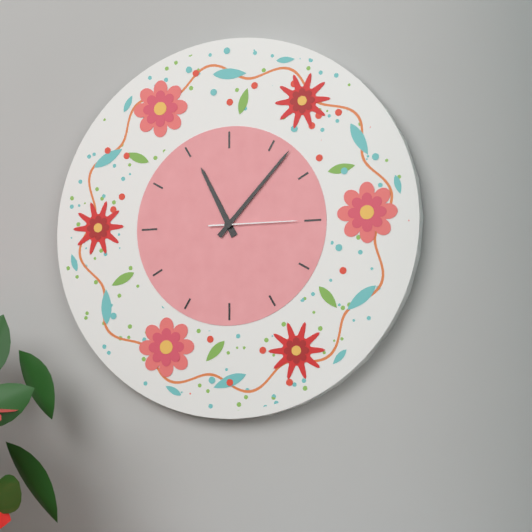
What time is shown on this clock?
11:07:15
